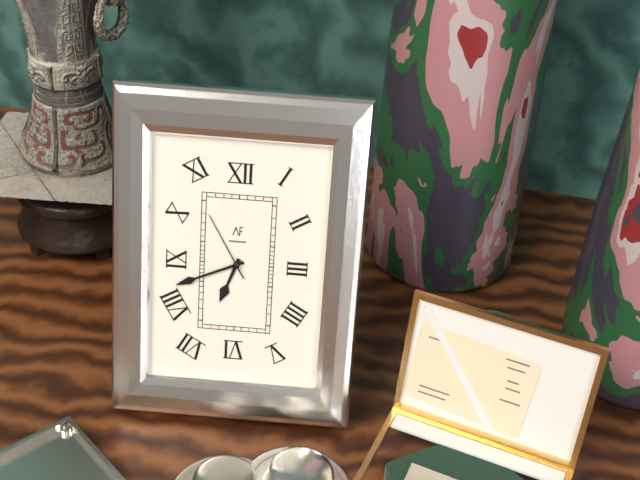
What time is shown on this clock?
6:41:55
